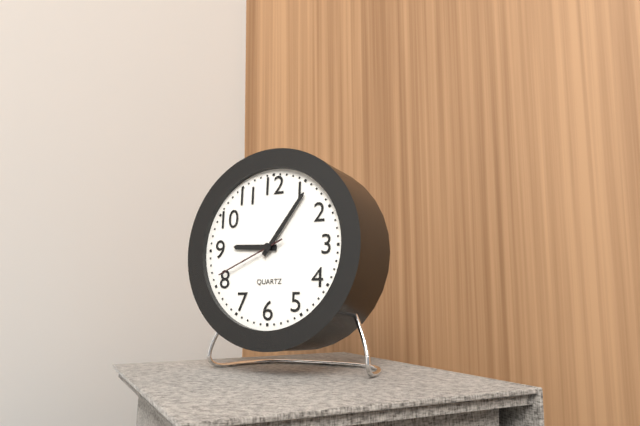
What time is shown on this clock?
9:06:41
